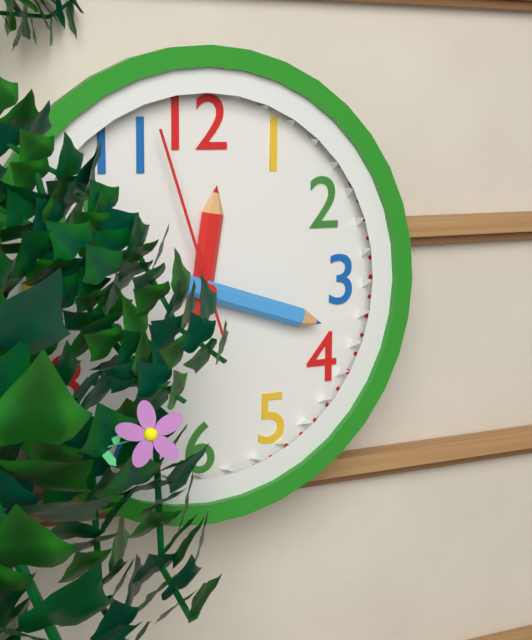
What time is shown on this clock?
12:18:57
